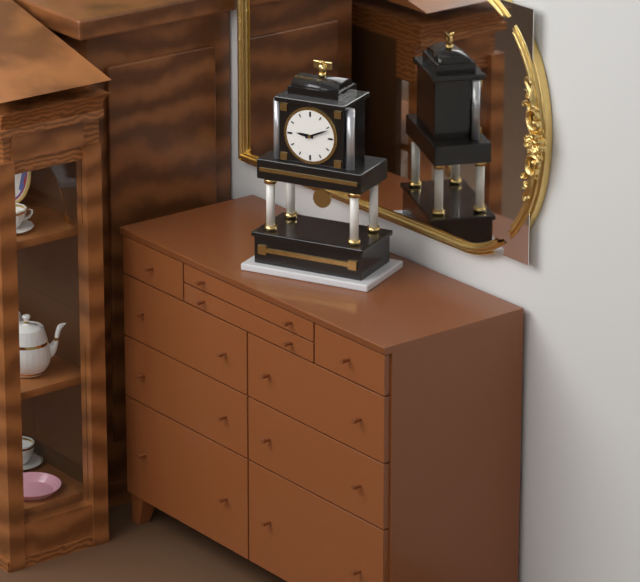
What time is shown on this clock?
9:11
